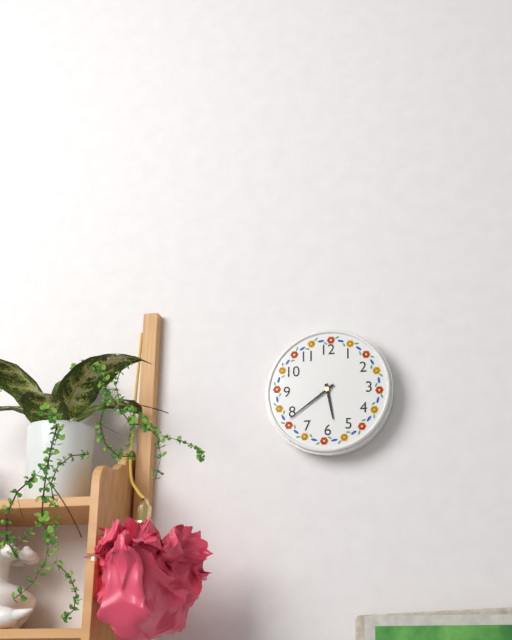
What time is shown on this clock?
5:39
